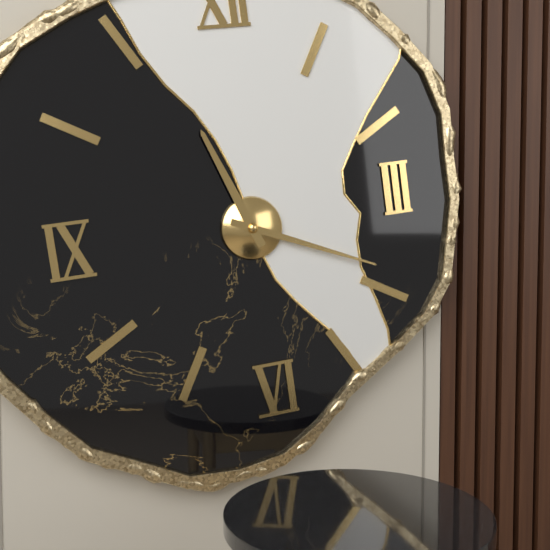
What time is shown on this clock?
11:19
